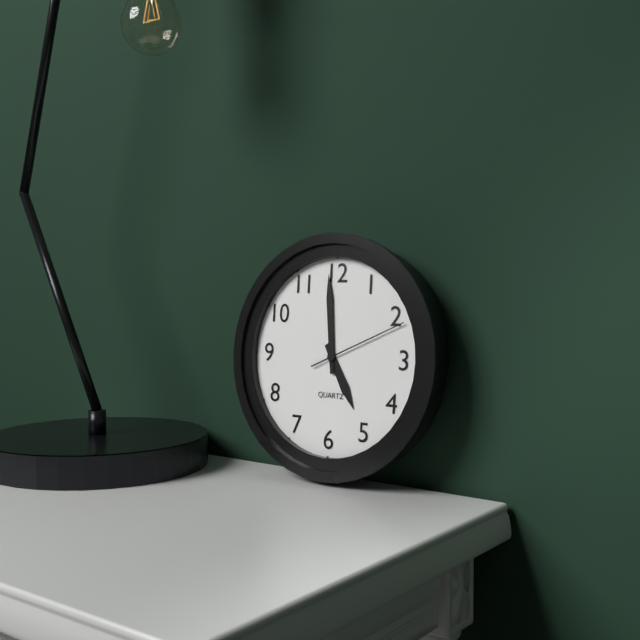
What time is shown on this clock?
4:59:11
